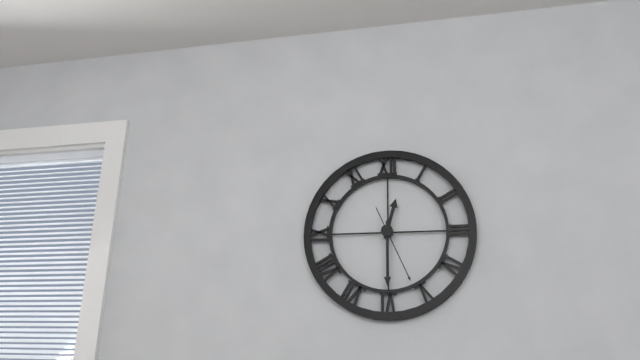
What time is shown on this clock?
12:30:26
